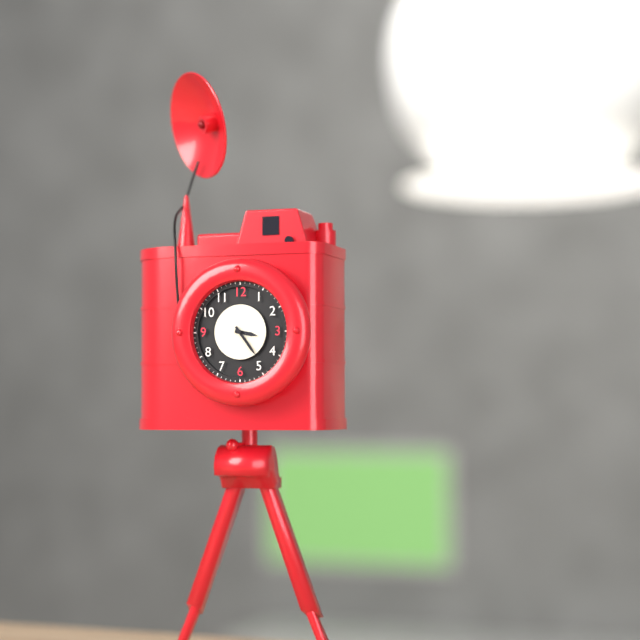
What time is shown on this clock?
3:24
